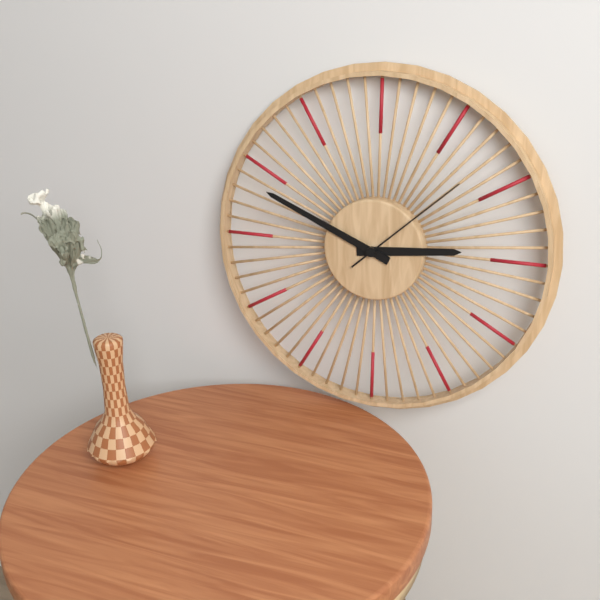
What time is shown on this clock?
2:49:08
